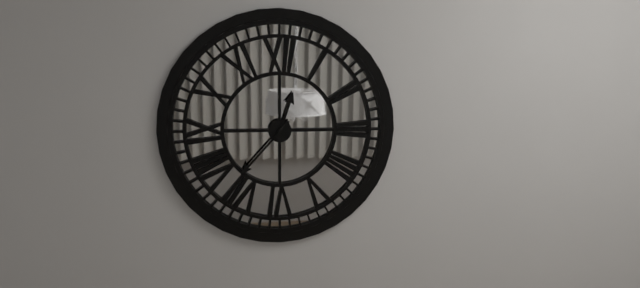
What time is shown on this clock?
12:37
